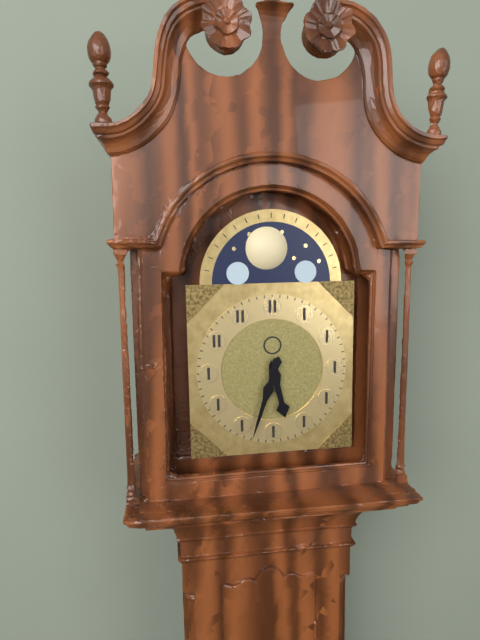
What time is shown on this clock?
5:33
